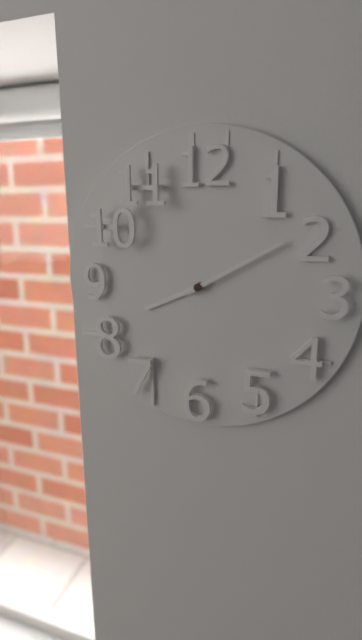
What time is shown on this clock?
8:10
